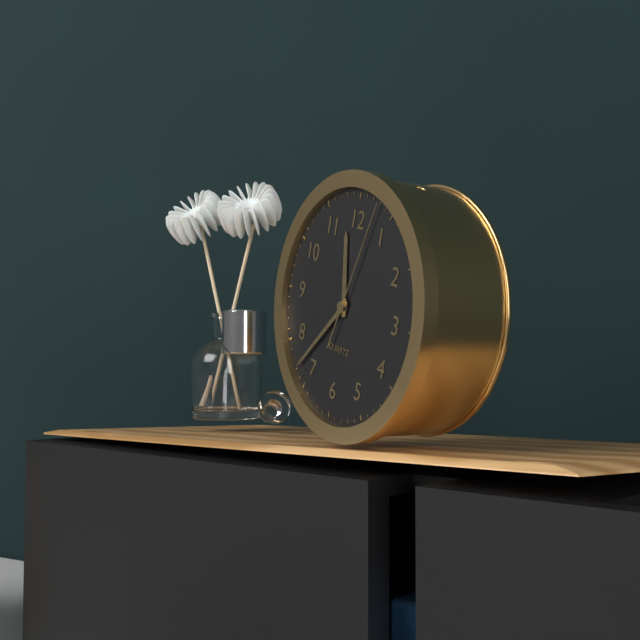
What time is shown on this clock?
11:37:03
